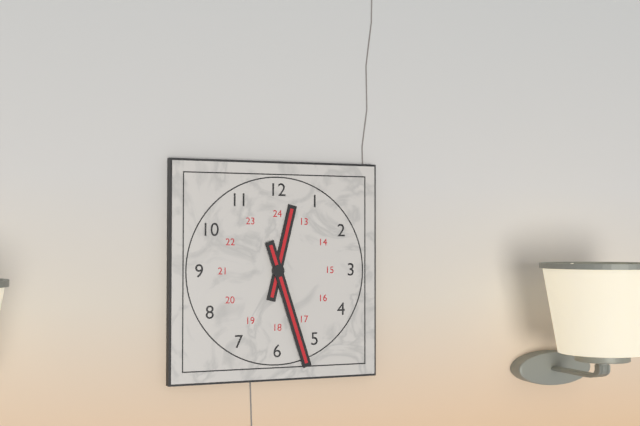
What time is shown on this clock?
12:27
